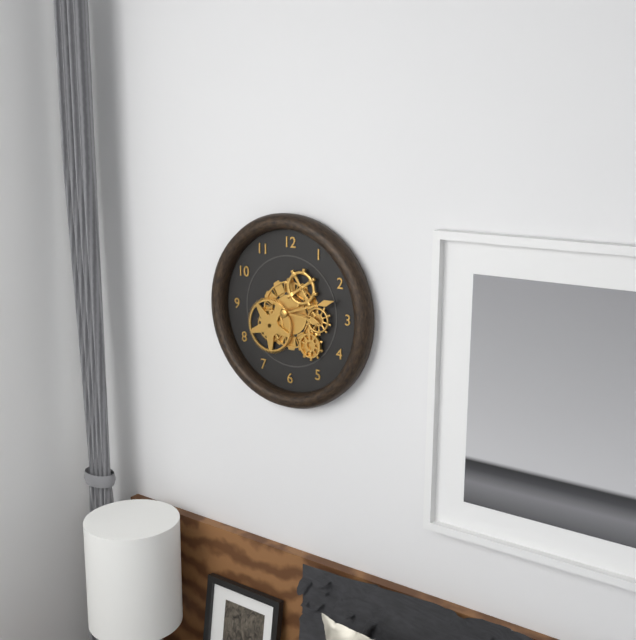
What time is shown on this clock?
3:12
